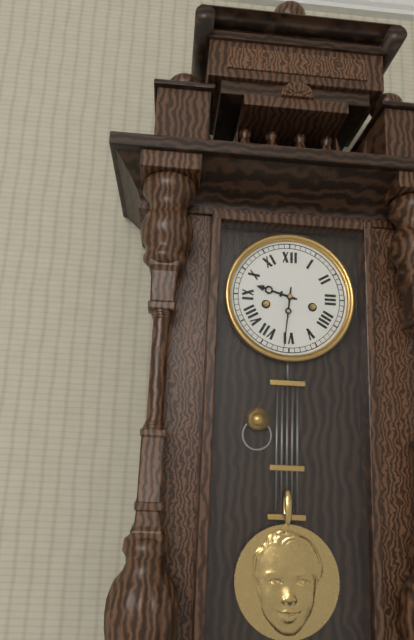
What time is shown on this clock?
9:31
